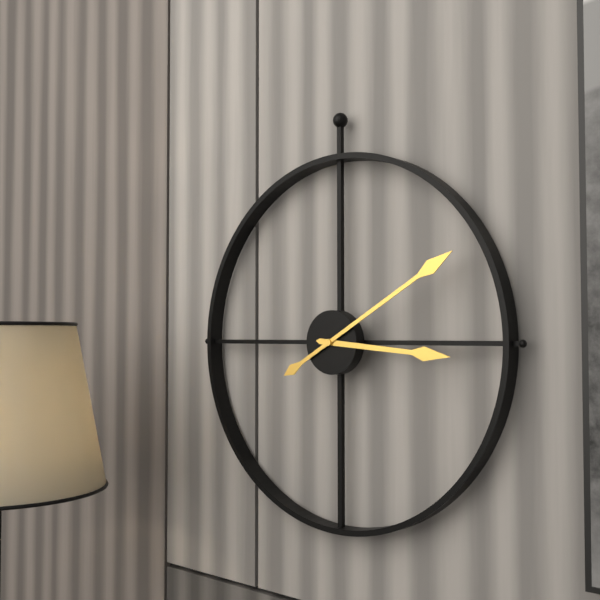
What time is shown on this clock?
3:10
